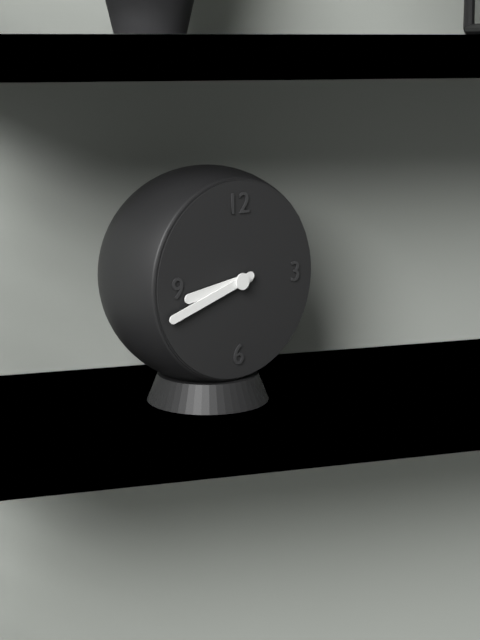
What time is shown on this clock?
8:42
